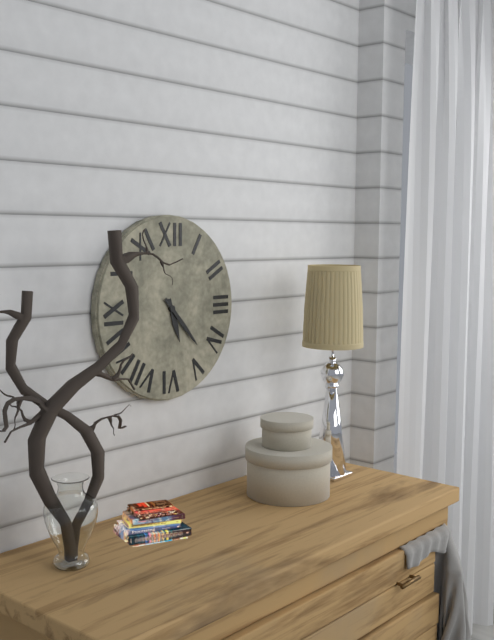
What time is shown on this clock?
5:23
